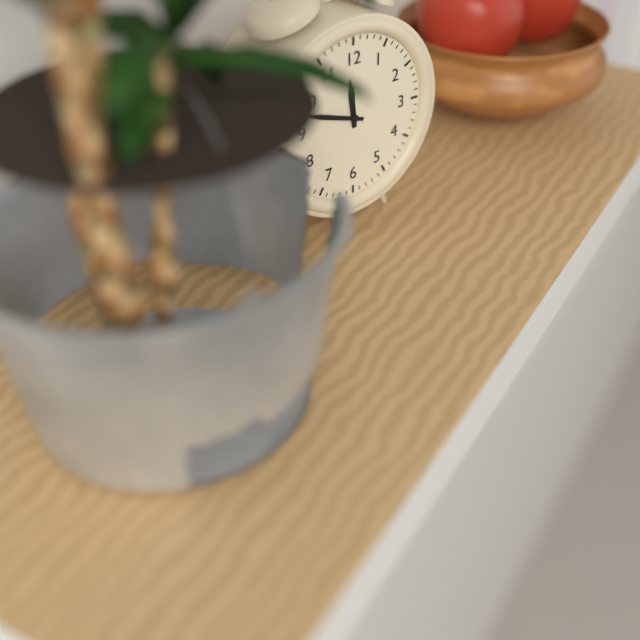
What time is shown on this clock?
11:48
